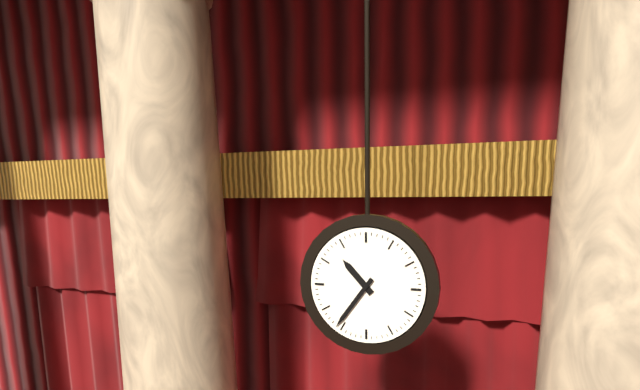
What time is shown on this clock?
10:36
